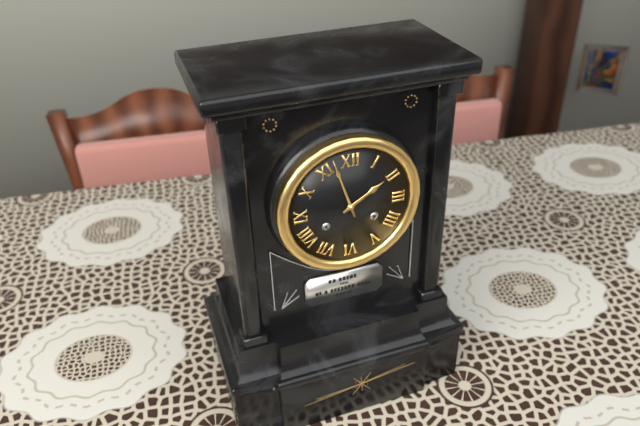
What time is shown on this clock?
1:57
